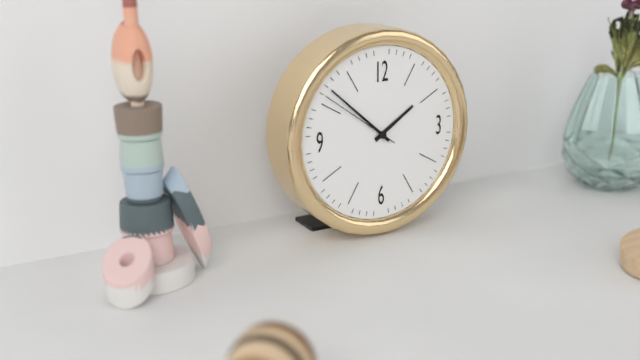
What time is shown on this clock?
1:52:51
